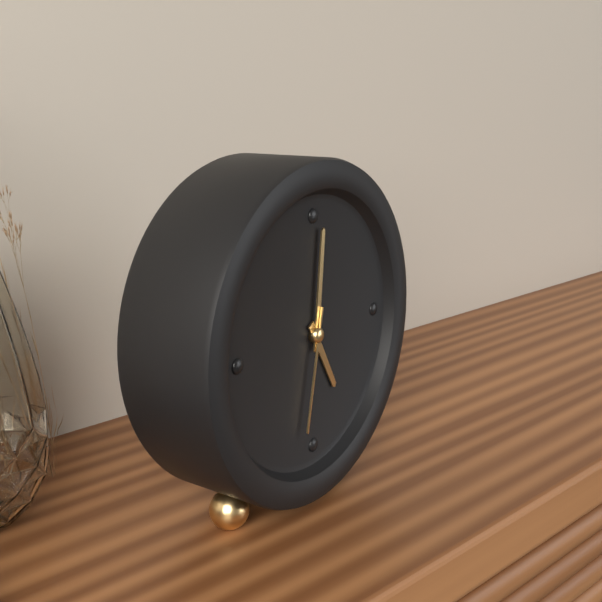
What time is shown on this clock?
5:01:32
